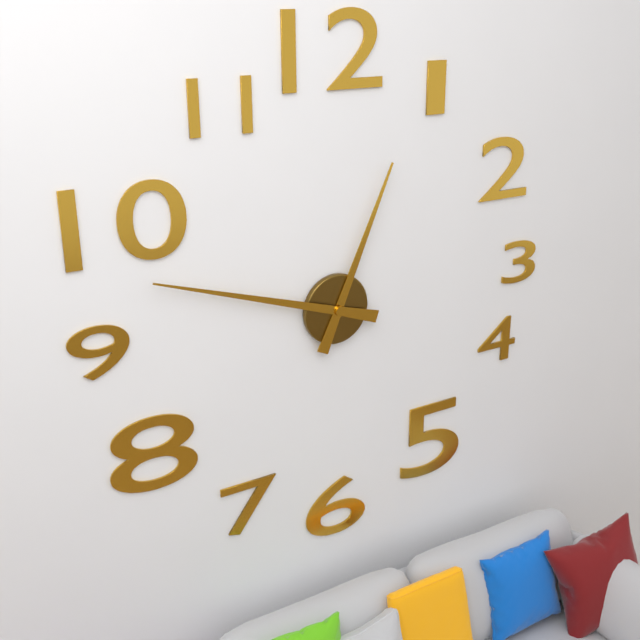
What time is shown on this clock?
12:48
